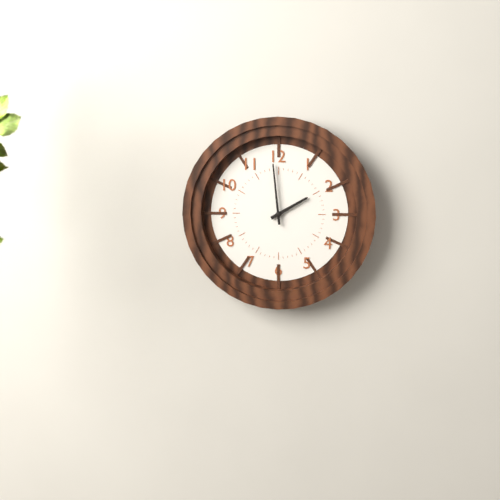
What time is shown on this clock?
1:59
